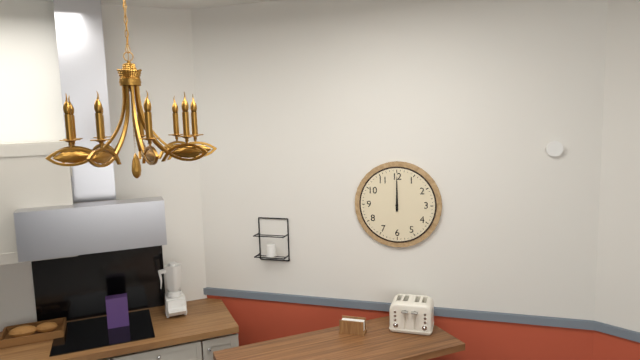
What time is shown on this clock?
12:00
